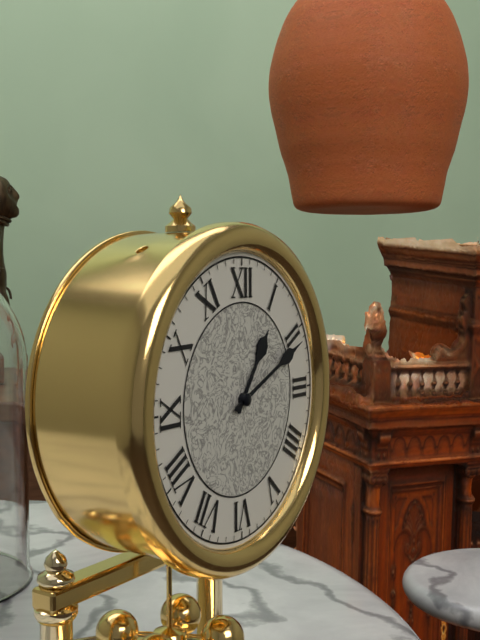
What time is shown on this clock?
1:11
